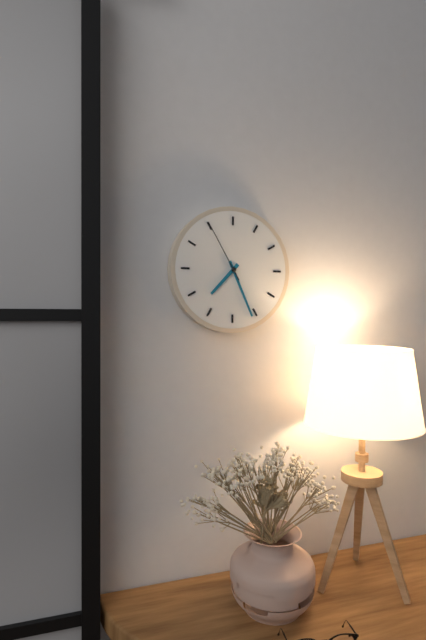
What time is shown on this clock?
7:26:55
